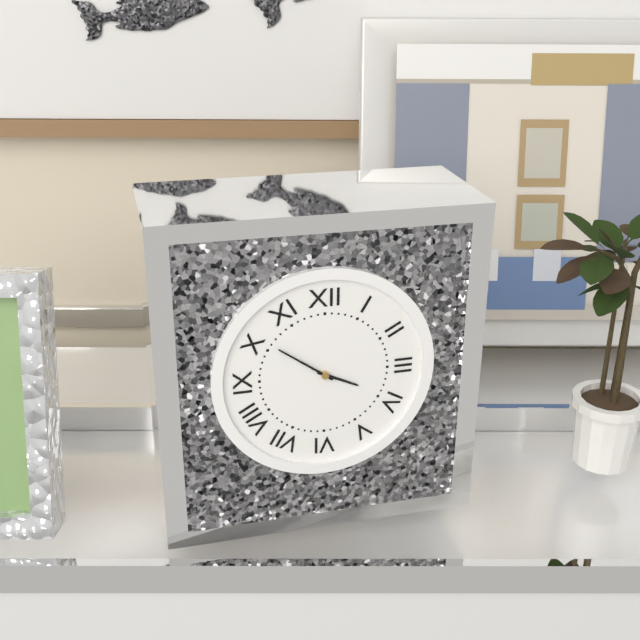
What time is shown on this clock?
3:51
